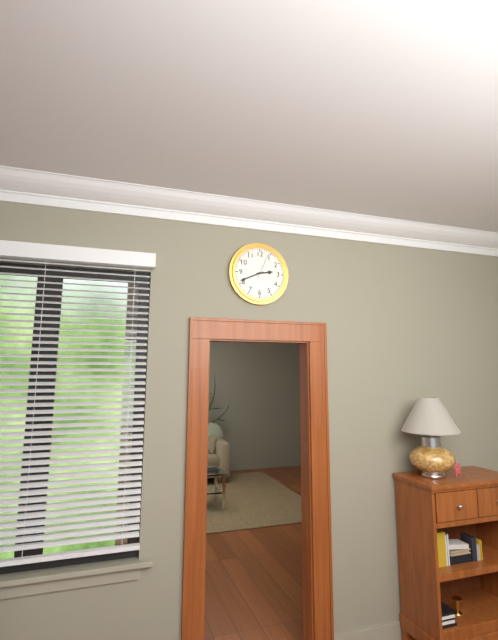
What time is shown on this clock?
2:41
